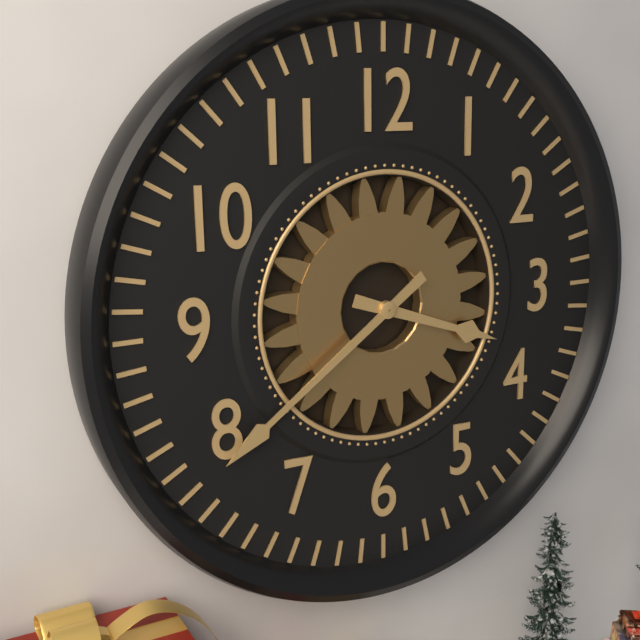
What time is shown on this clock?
3:39
